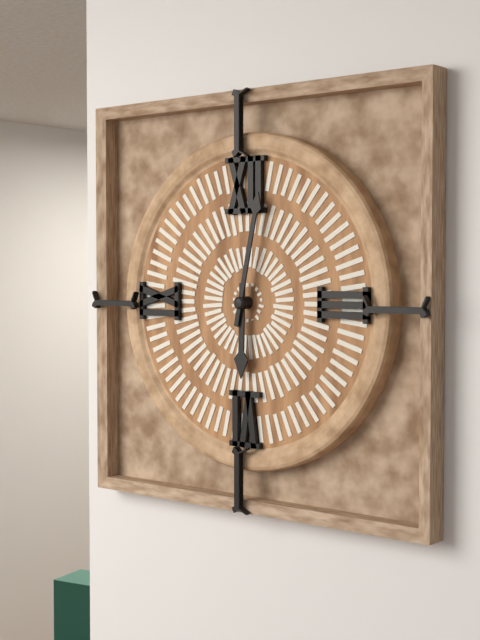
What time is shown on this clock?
6:02
